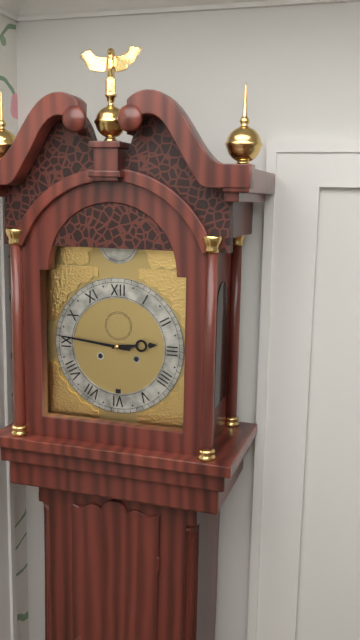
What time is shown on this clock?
2:46
